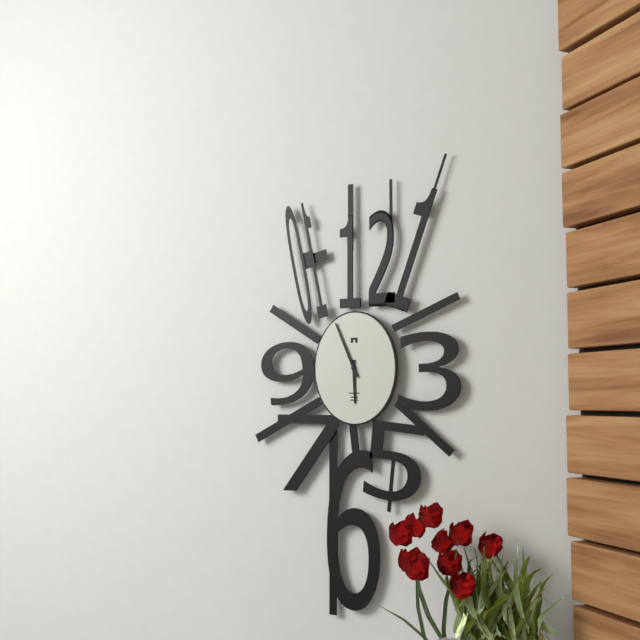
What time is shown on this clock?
5:56
